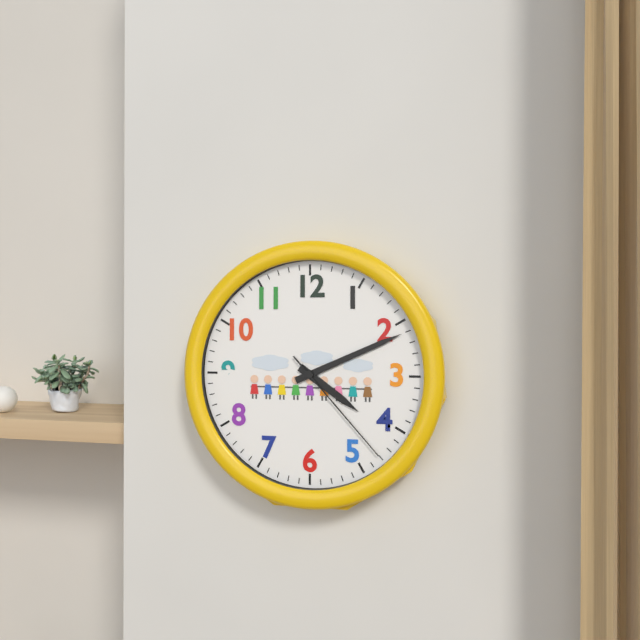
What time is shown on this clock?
4:11:23
